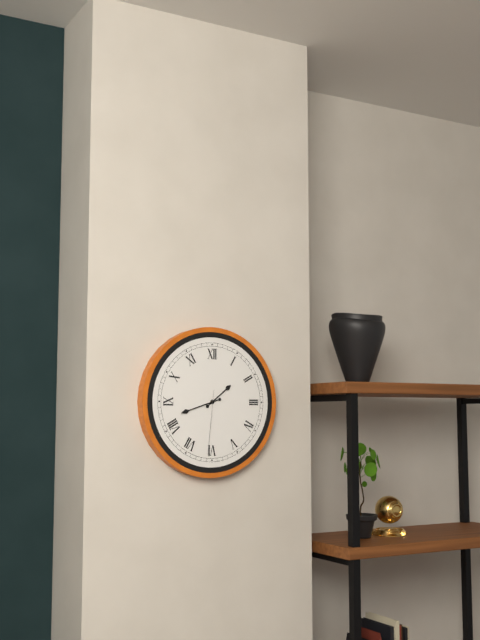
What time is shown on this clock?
1:42:31
